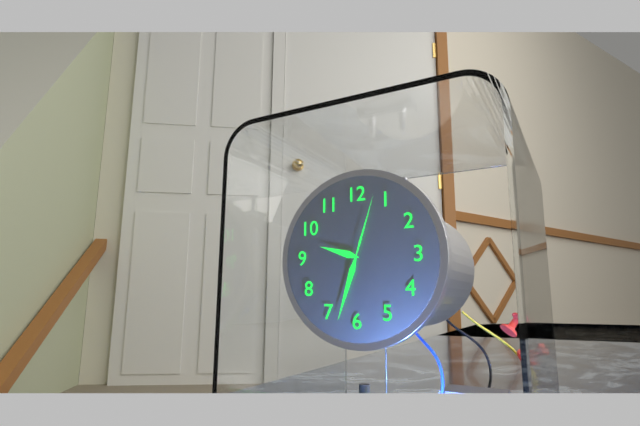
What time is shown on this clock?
9:33:03
